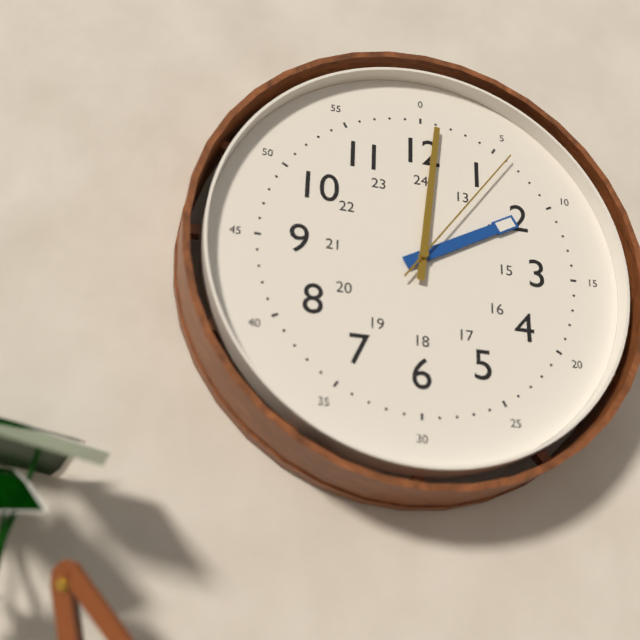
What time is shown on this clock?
2:01:06
